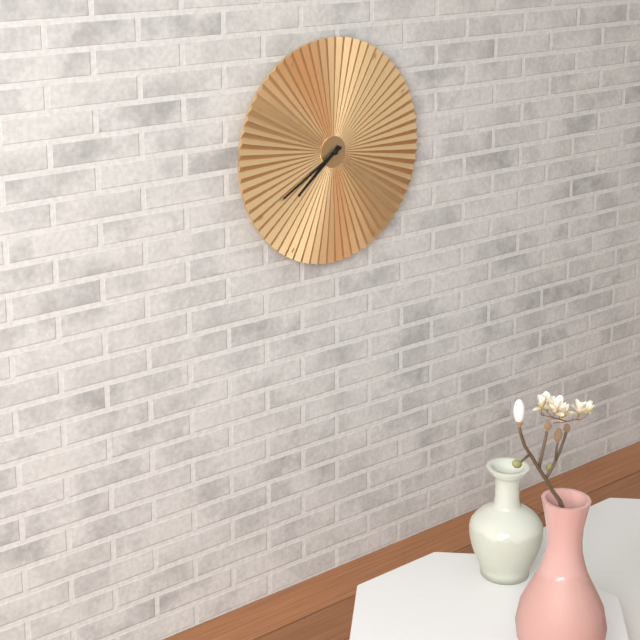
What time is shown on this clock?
7:40
